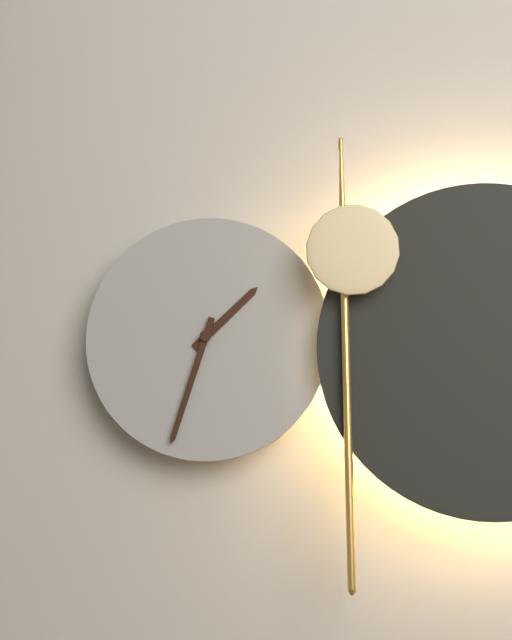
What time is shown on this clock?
1:33
